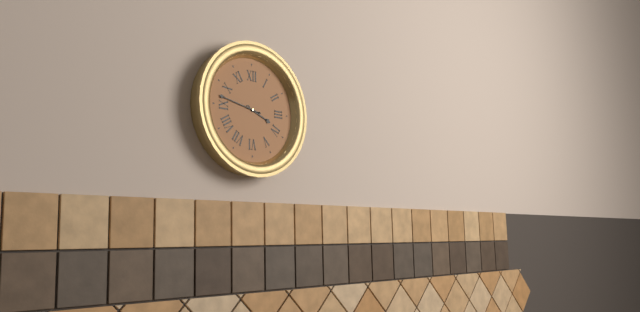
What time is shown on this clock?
3:47
